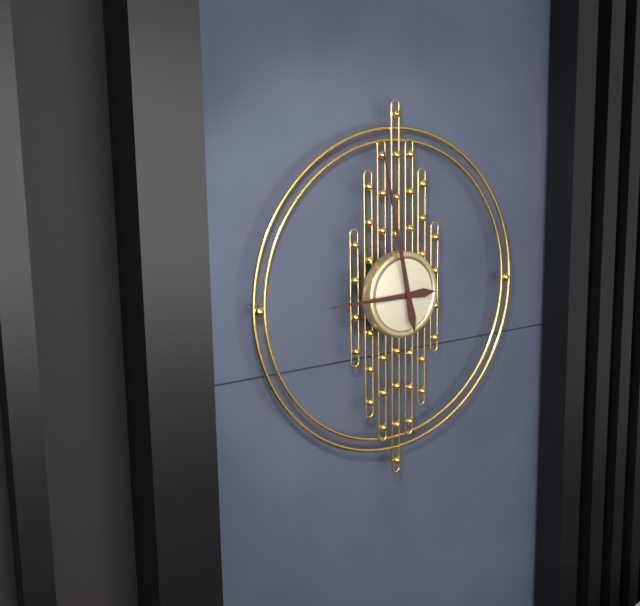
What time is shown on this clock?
8:58
